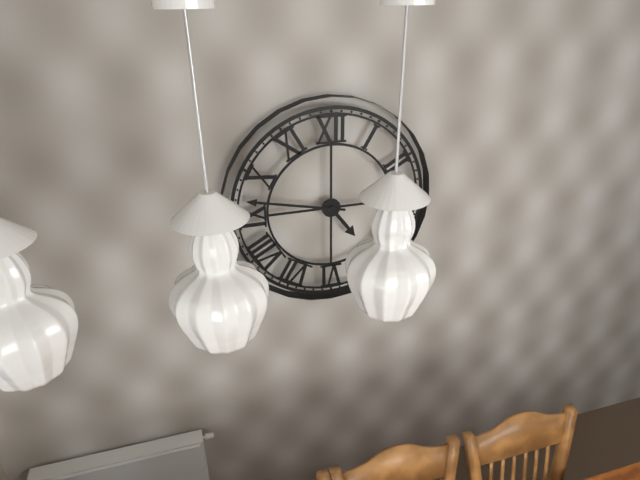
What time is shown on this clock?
4:47
